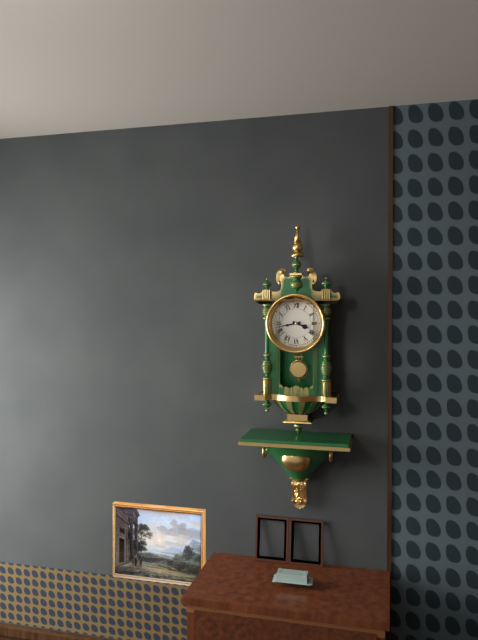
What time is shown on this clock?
3:43
